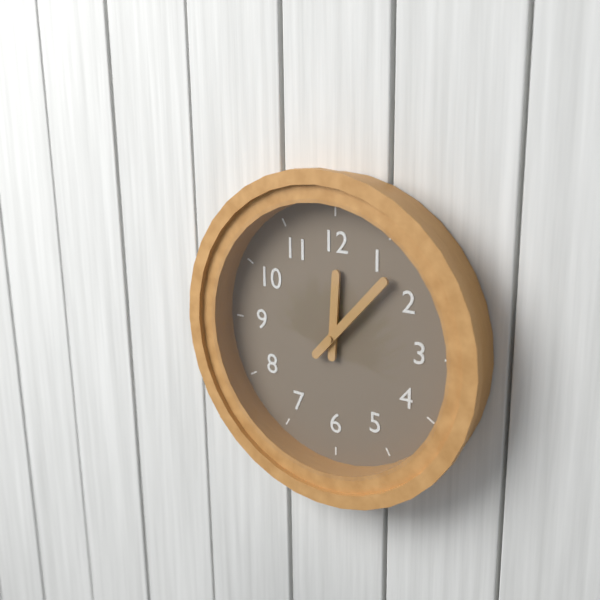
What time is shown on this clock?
12:07
